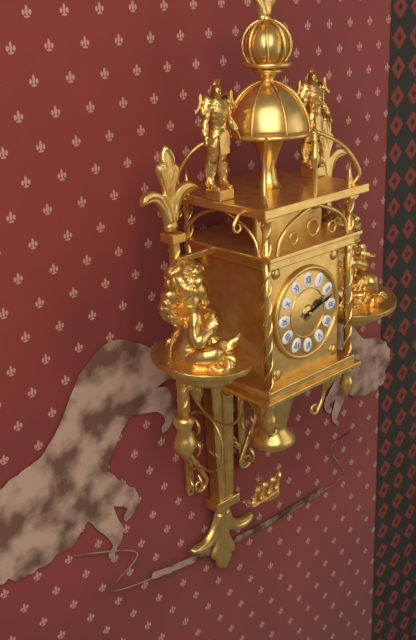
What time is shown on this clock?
2:12
